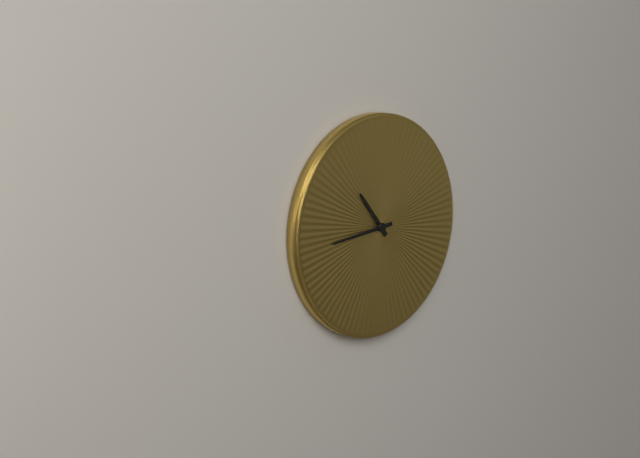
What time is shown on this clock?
10:44
